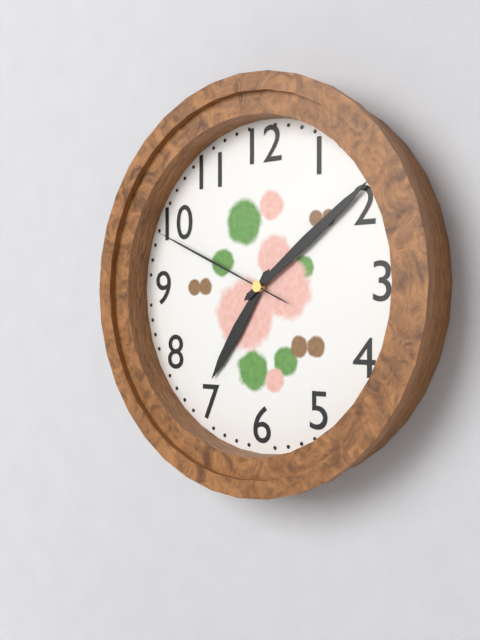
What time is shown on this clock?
7:09:49
